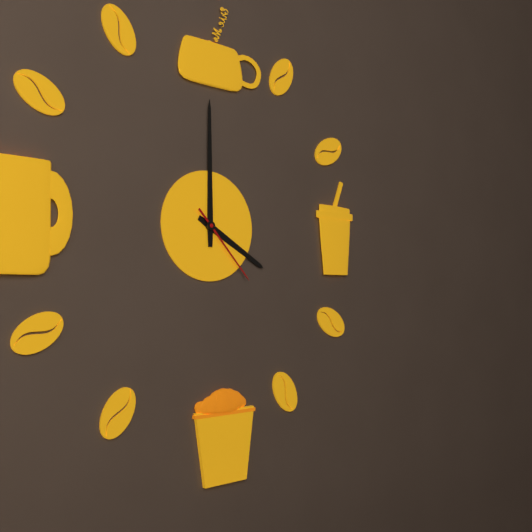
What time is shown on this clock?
4:00:23
